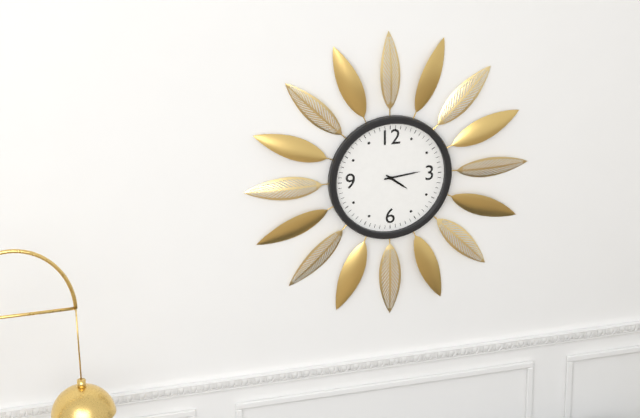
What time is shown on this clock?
4:14
